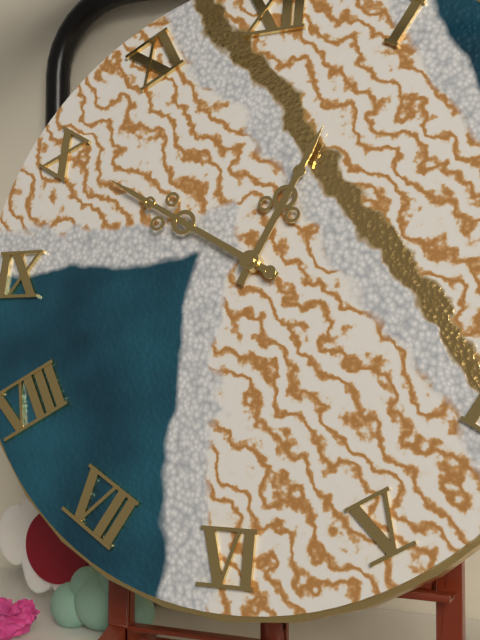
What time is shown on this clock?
12:50
